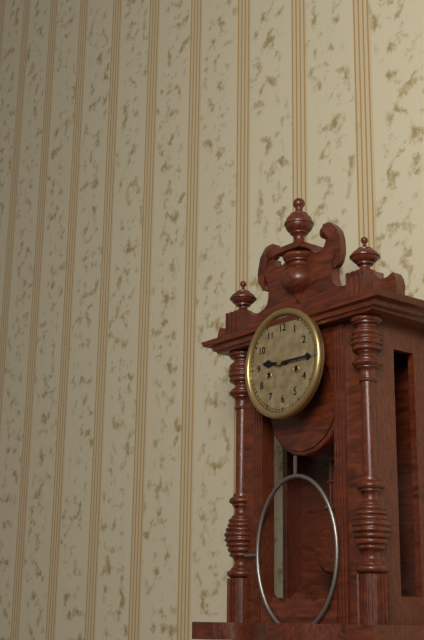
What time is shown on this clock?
9:15
